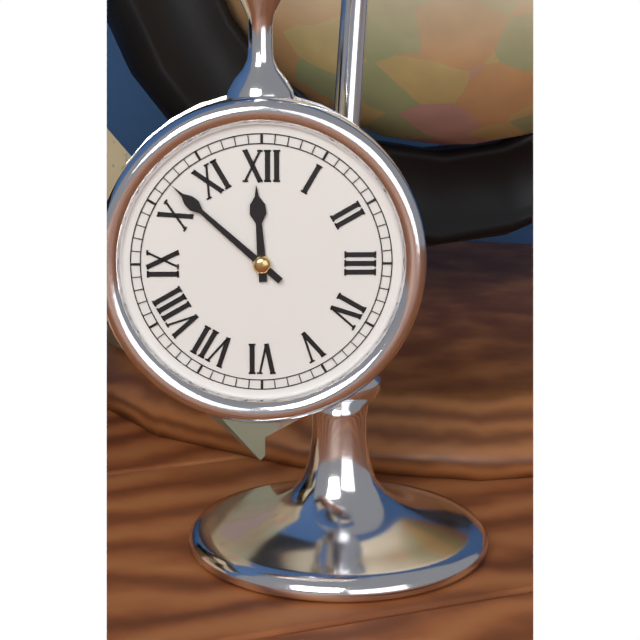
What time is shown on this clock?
11:52
